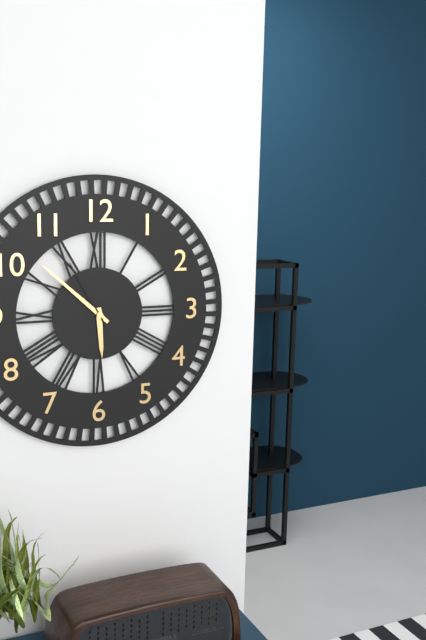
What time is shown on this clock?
5:52:55
